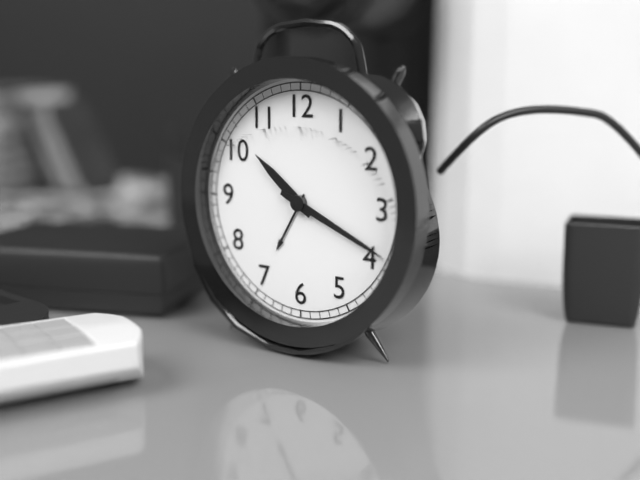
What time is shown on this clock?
10:19
